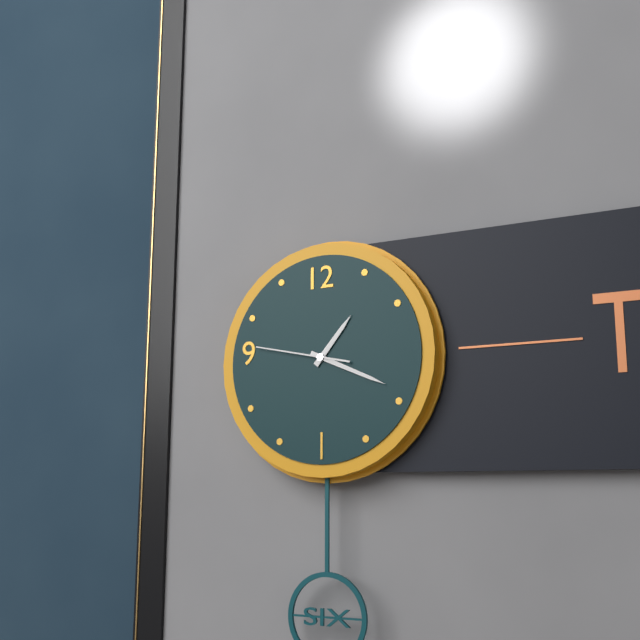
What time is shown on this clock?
1:19:47
